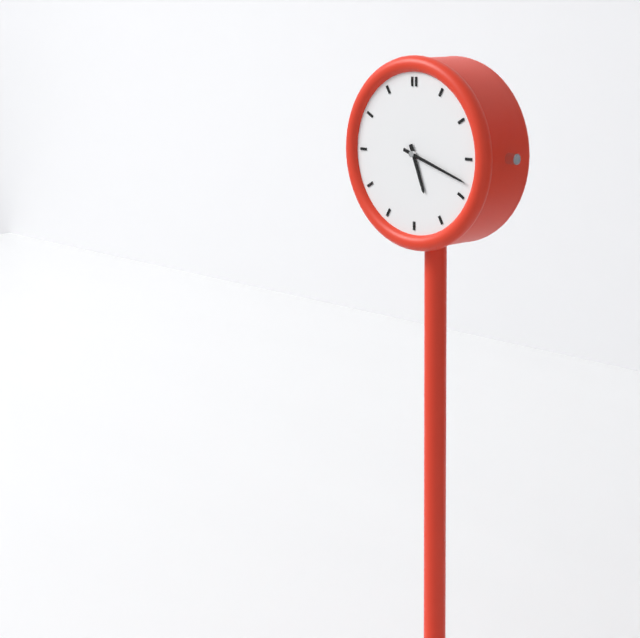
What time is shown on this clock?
5:18
